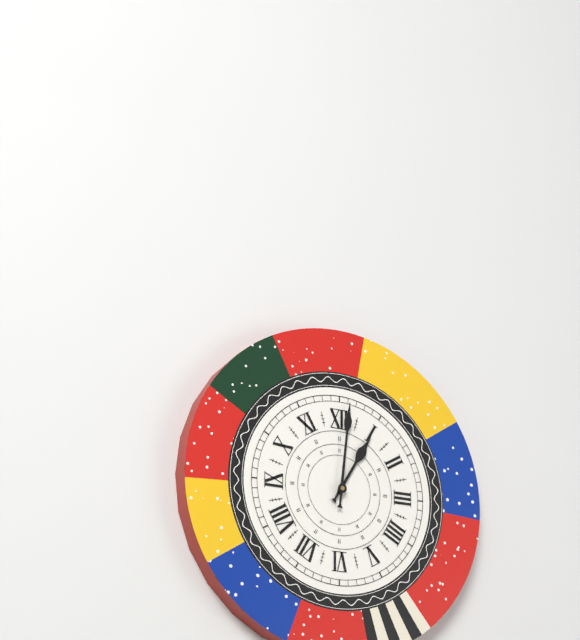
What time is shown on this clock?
1:01
